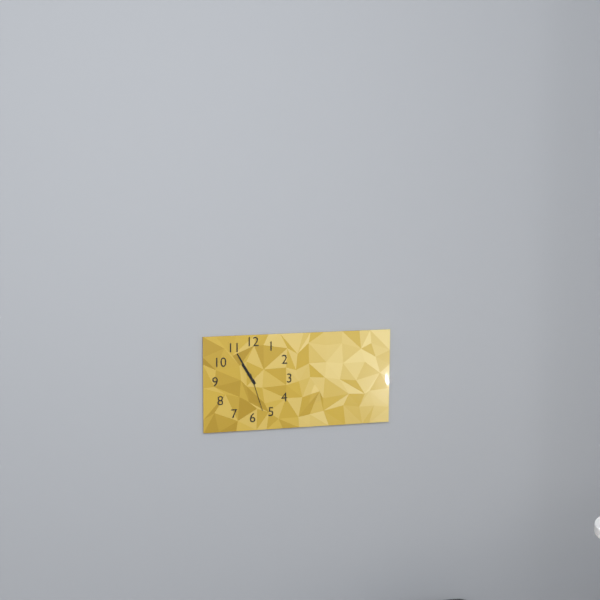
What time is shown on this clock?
10:55
